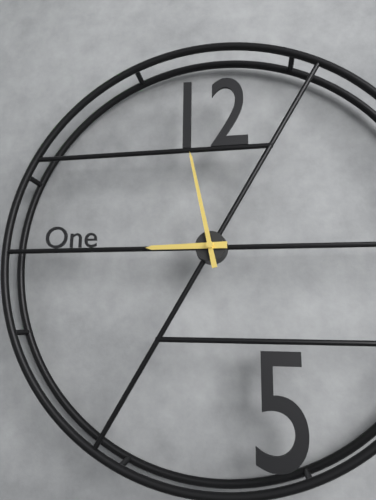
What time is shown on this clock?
8:58
